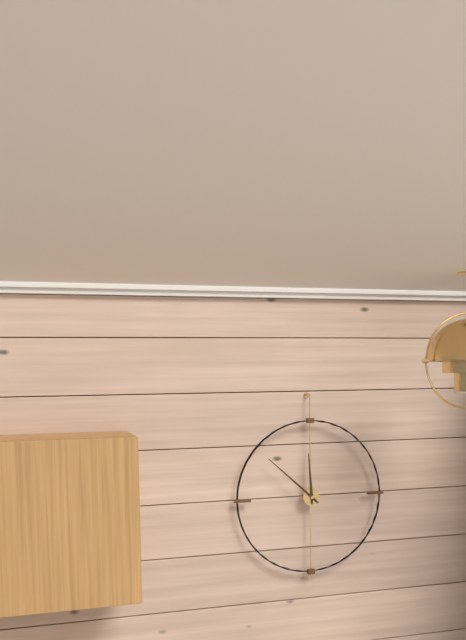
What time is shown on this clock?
11:52
